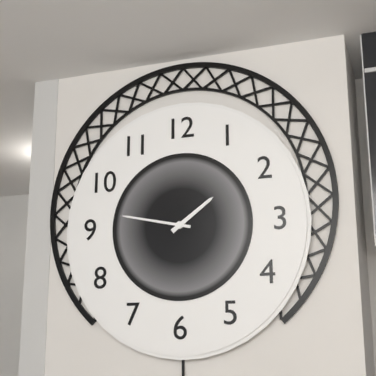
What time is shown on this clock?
1:47
